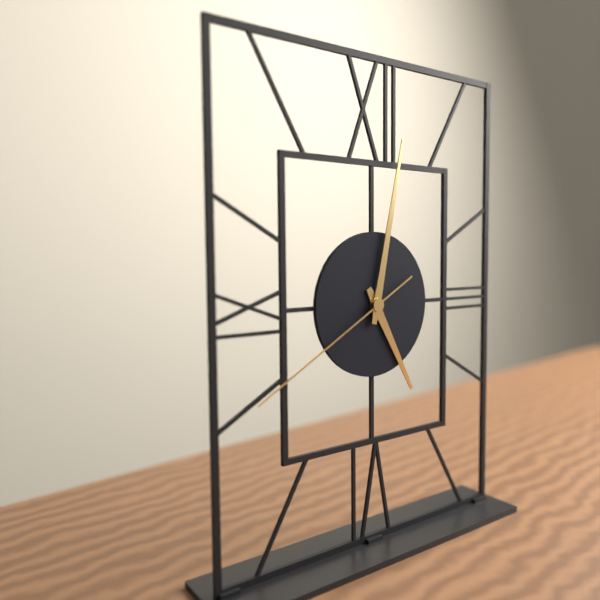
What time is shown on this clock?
5:02:40
